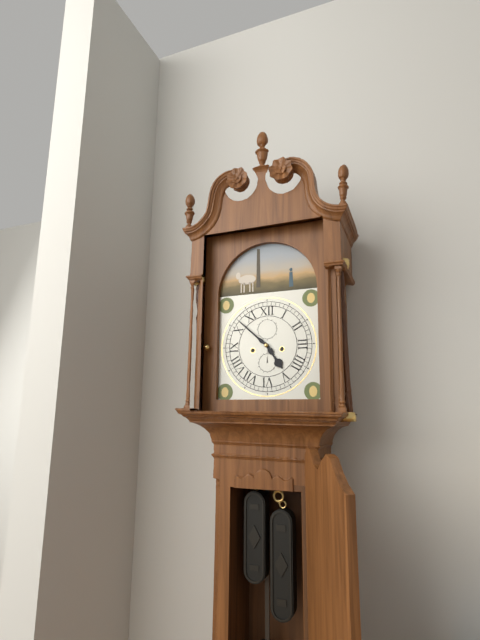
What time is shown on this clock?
4:52
